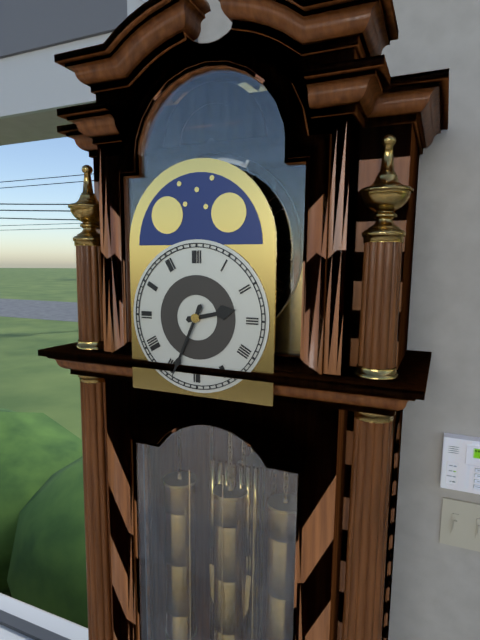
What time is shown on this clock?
2:34
